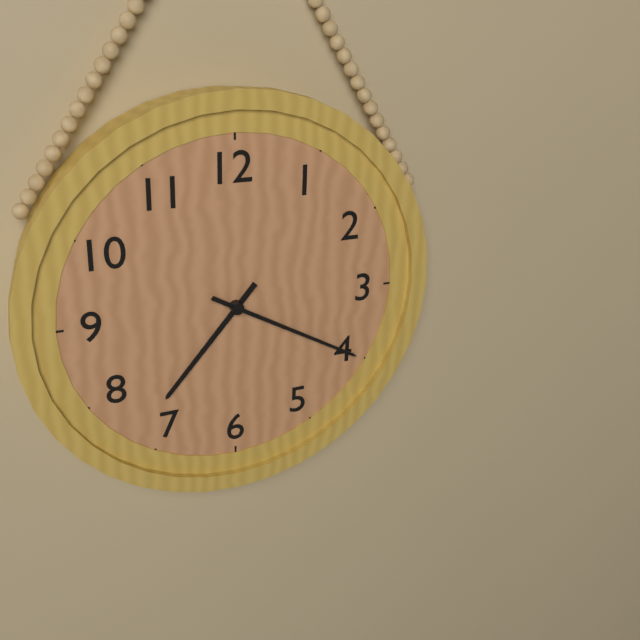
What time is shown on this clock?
7:20
